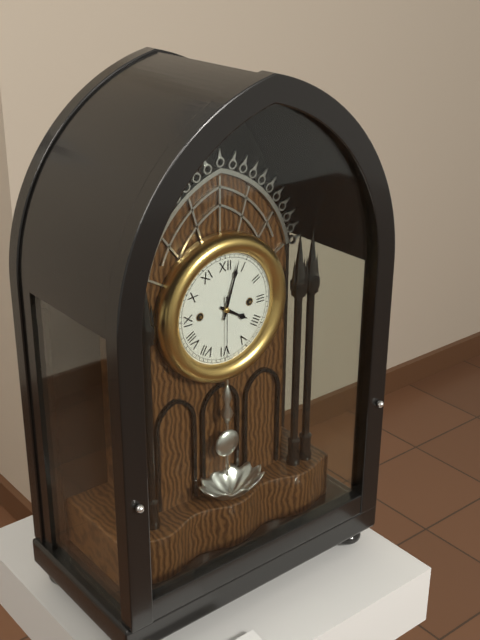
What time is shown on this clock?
4:03:30
